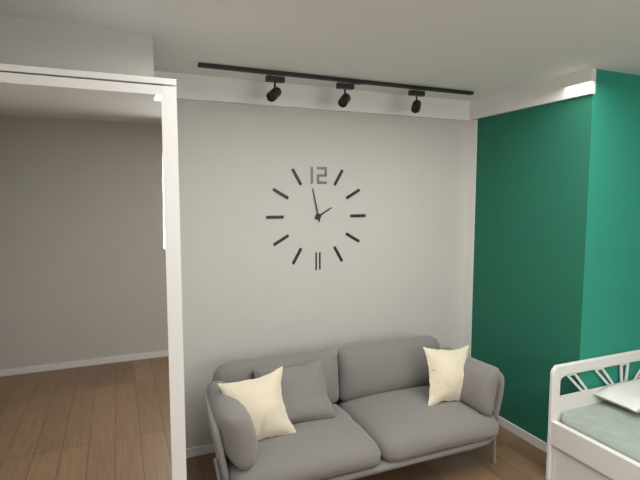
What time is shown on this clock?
1:58
